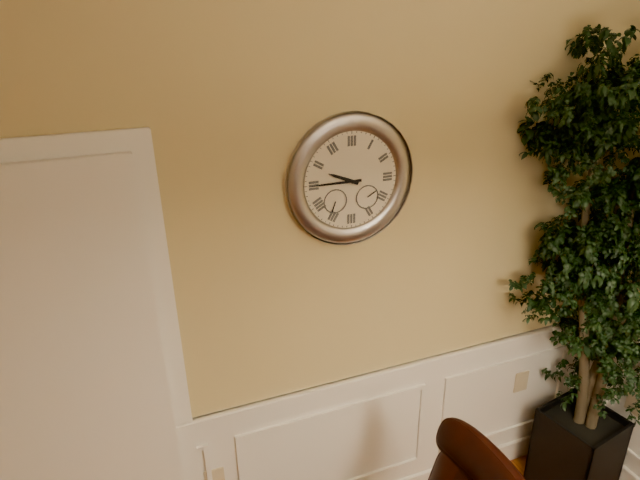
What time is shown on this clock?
9:45
